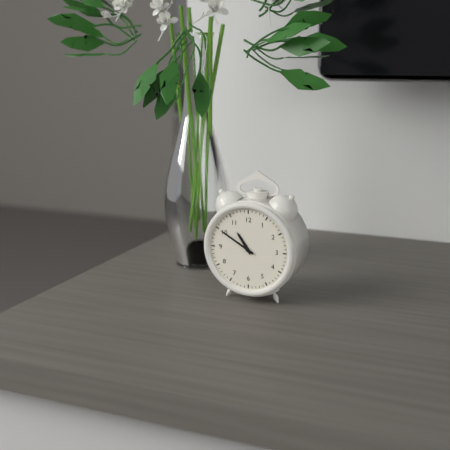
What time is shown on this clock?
10:50
